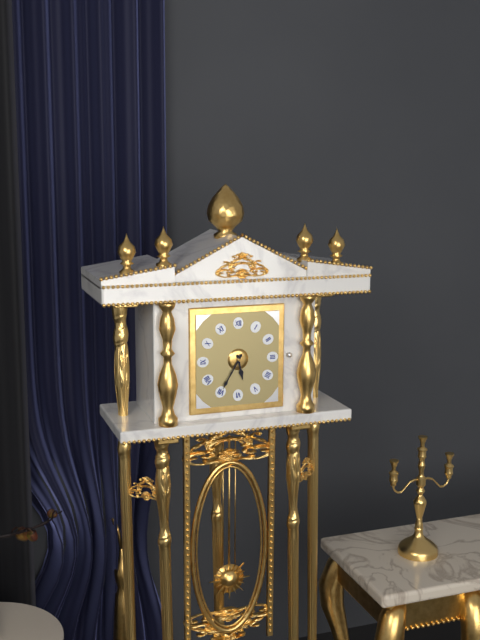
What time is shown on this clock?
5:35
